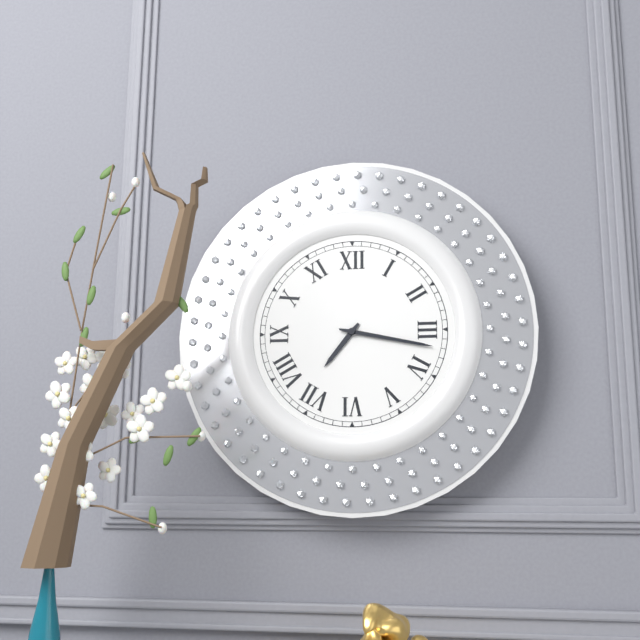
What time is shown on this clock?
7:17
